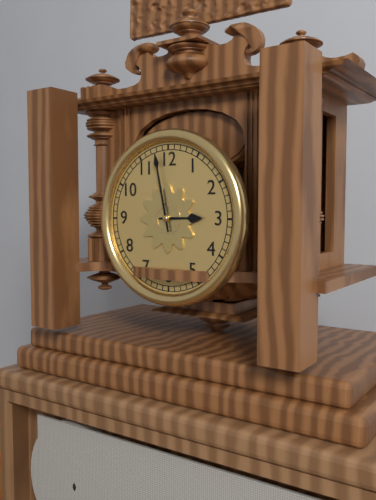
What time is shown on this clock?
2:58
